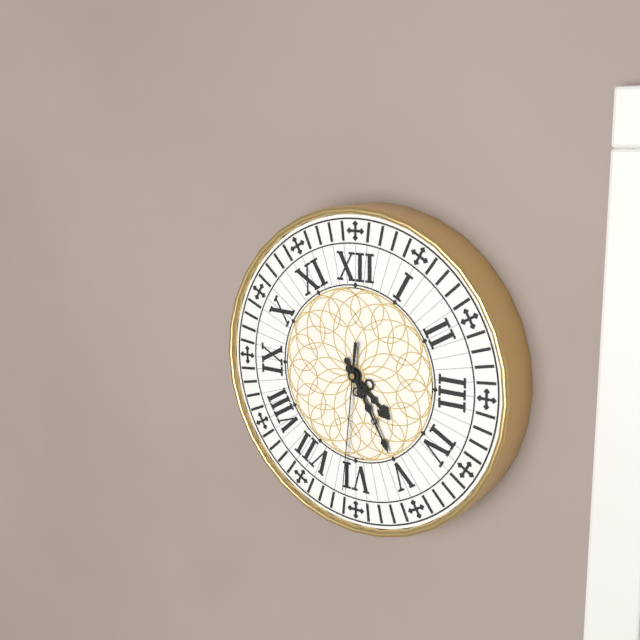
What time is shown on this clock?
4:25:31
